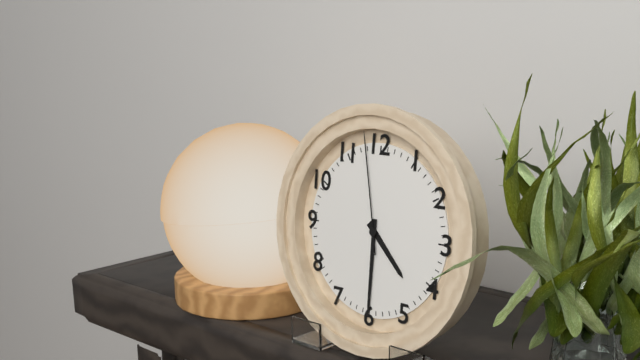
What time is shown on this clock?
4:30:58
